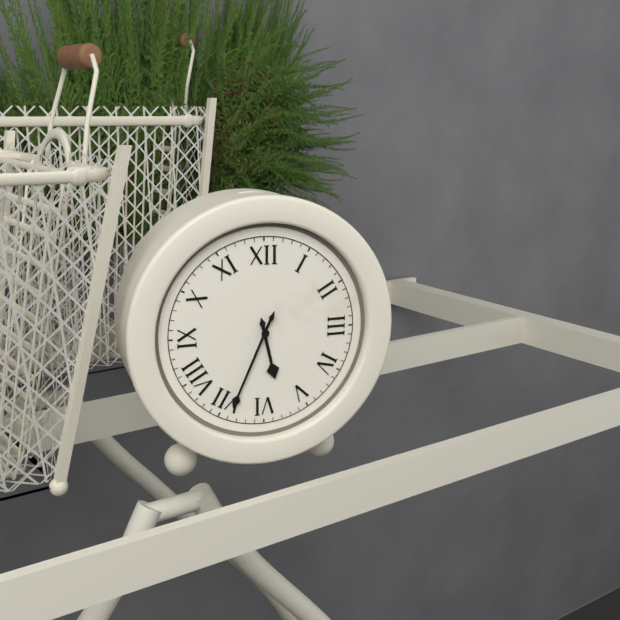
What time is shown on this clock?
5:34
